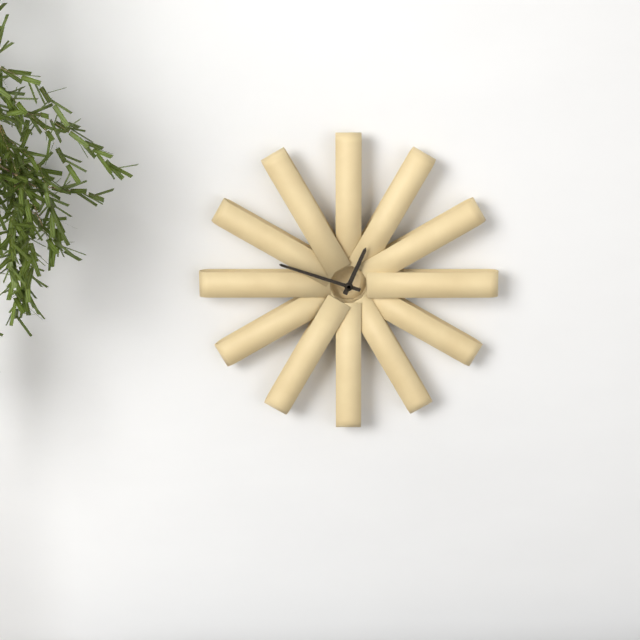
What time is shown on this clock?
12:48
